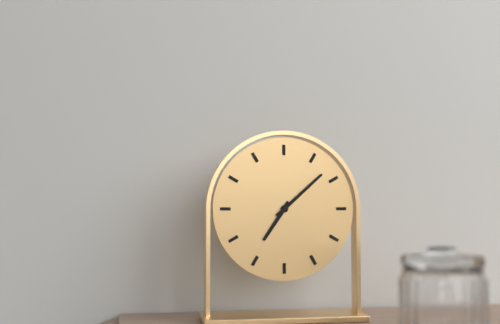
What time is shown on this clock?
7:08
